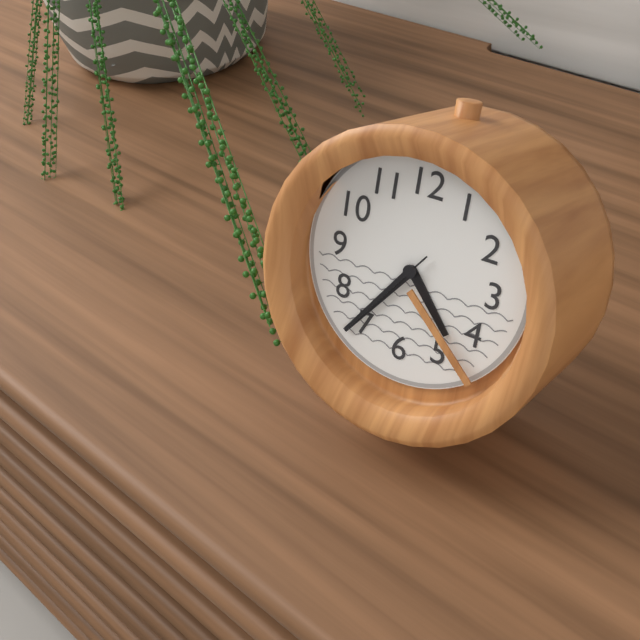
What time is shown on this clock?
4:36:36
